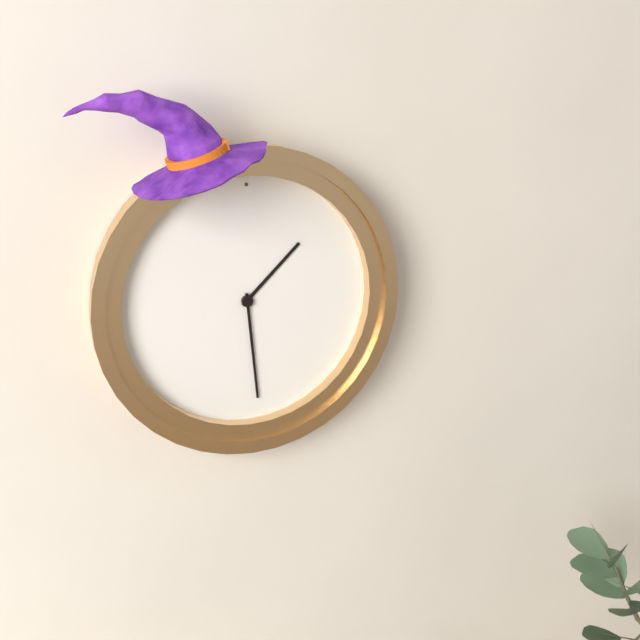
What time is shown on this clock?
1:29
